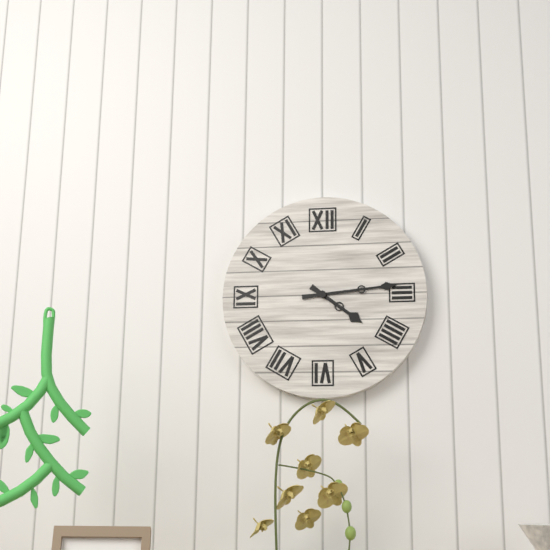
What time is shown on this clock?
4:14
